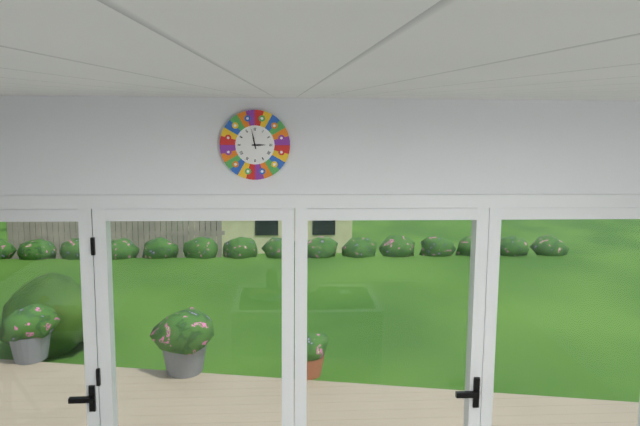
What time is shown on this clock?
2:58
